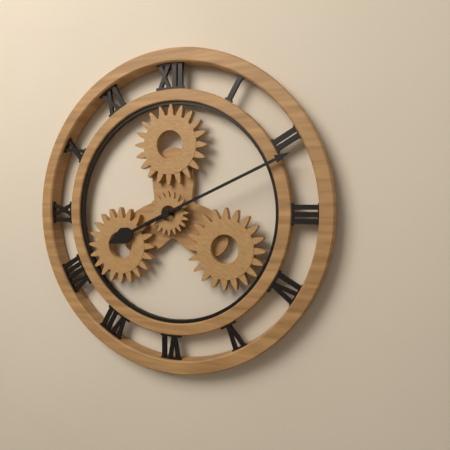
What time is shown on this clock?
8:11
